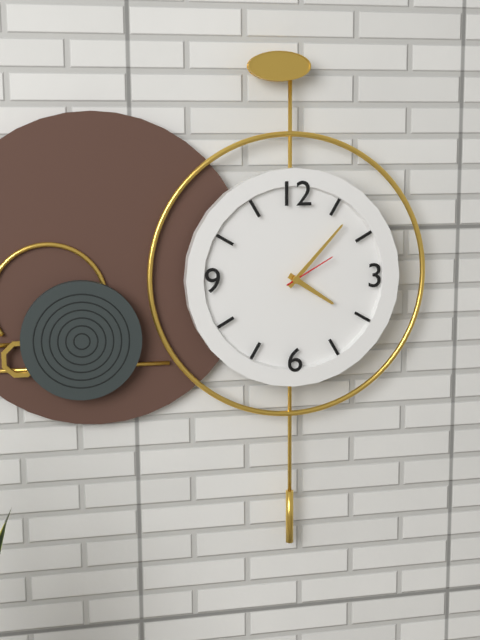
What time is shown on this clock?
4:07:10
